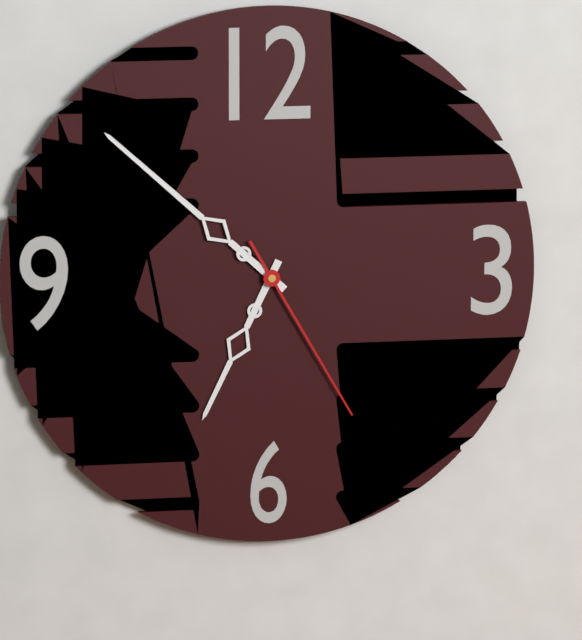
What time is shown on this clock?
6:52:25
